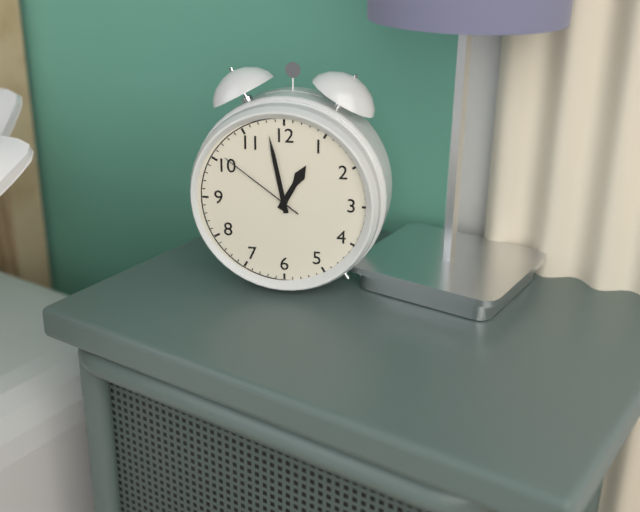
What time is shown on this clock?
12:58:51
